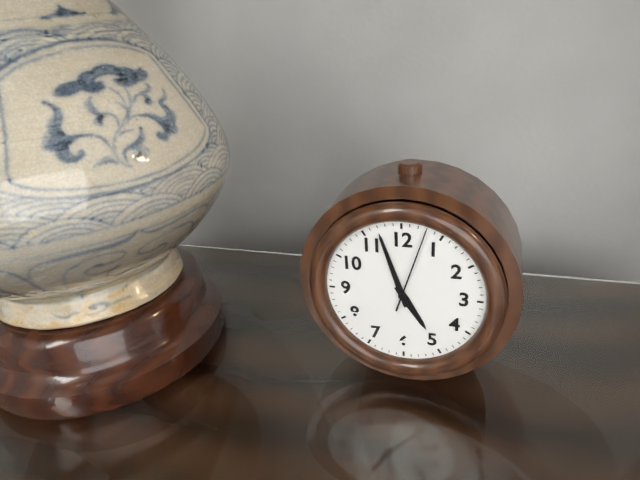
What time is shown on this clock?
4:57:03
